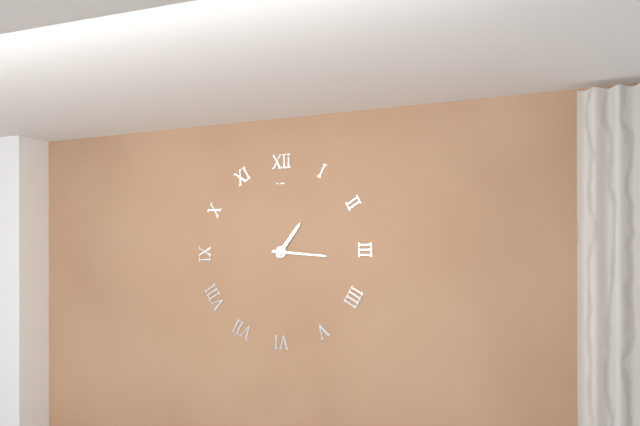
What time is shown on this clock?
1:16
